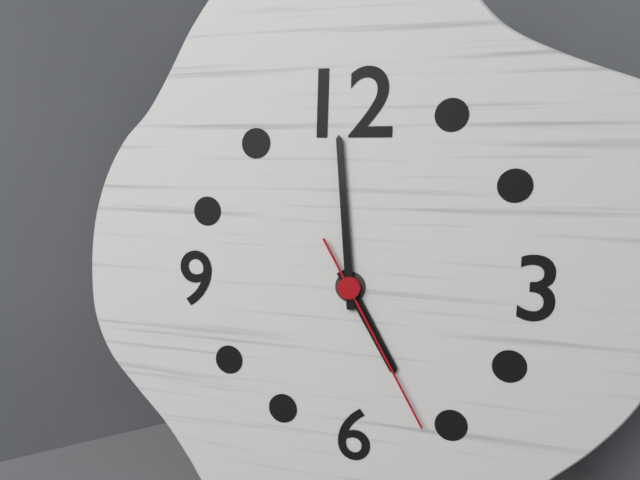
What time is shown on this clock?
4:59:25
